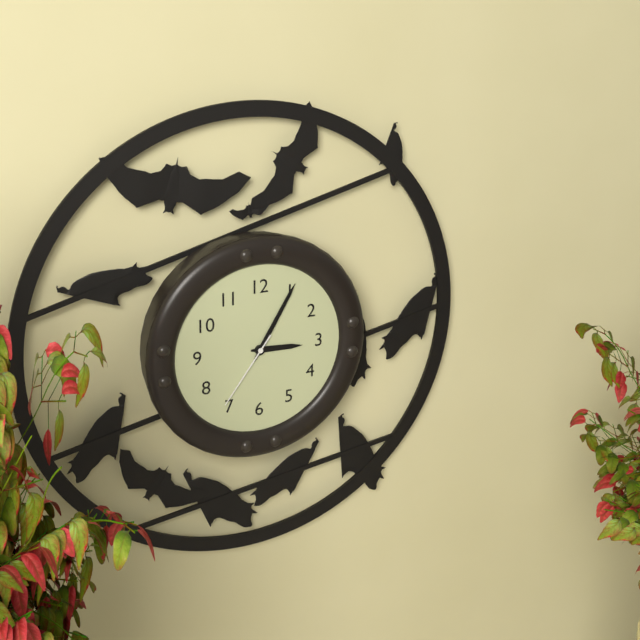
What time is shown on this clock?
3:05:36
